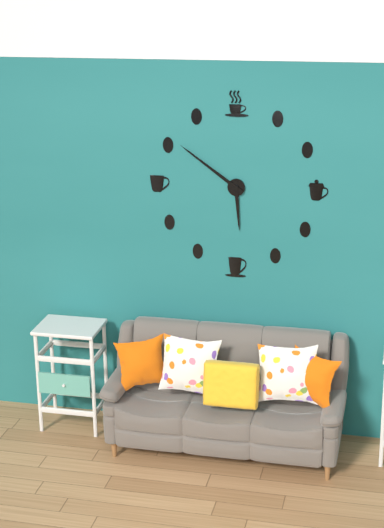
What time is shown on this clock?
5:51
